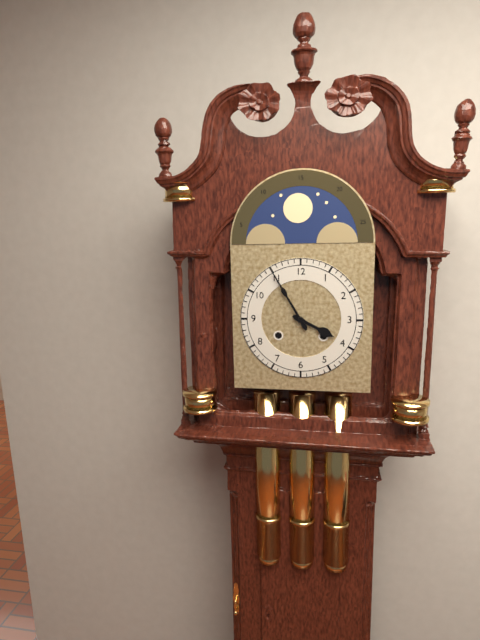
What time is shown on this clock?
3:55
